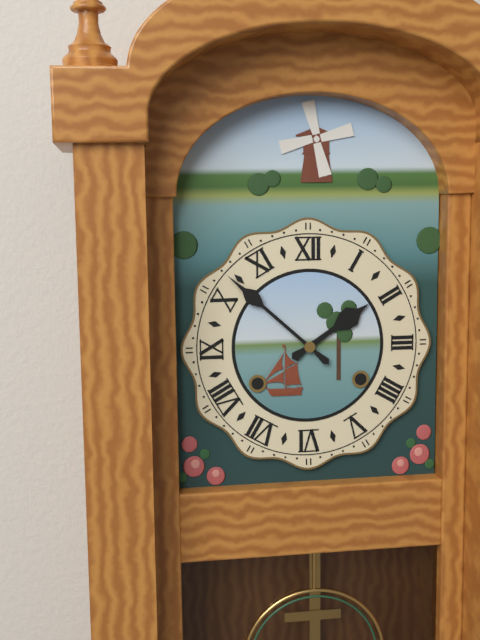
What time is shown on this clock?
1:52
